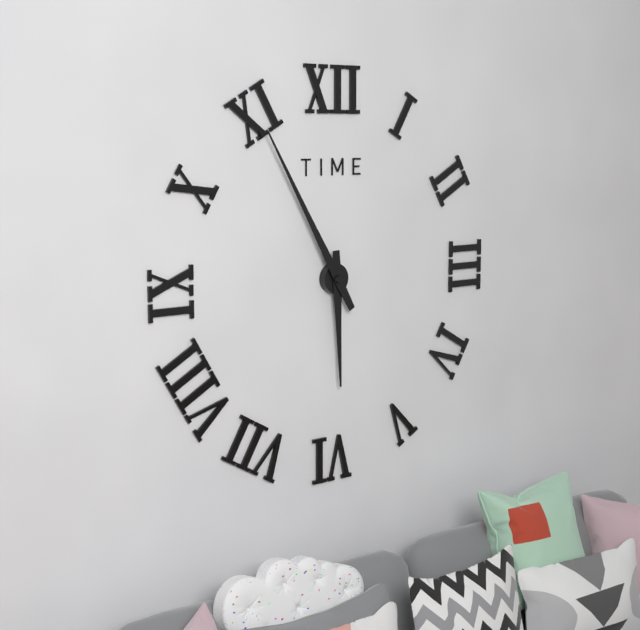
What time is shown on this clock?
5:55
